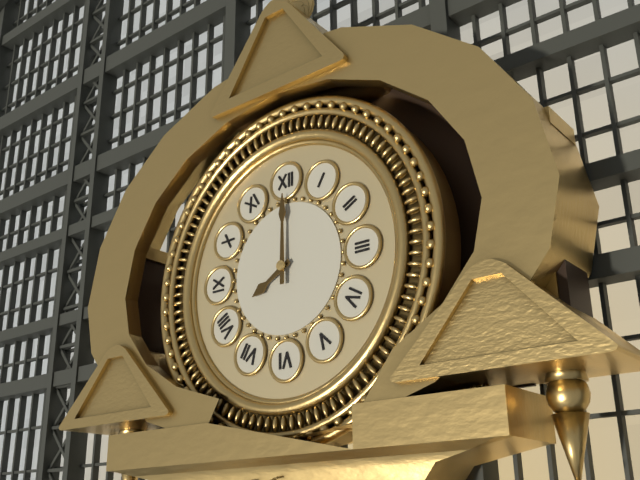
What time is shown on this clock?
8:00
